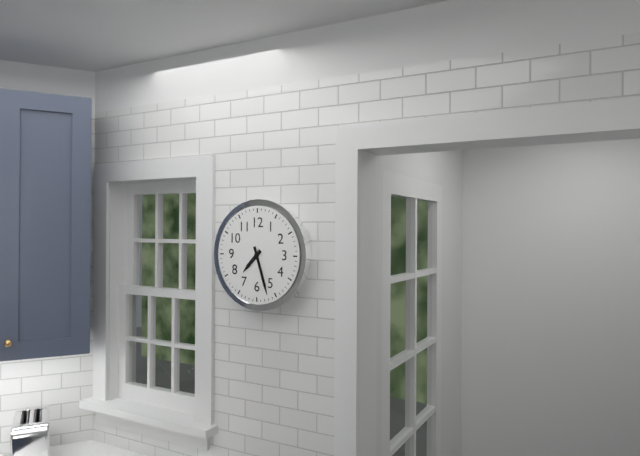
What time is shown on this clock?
7:27
